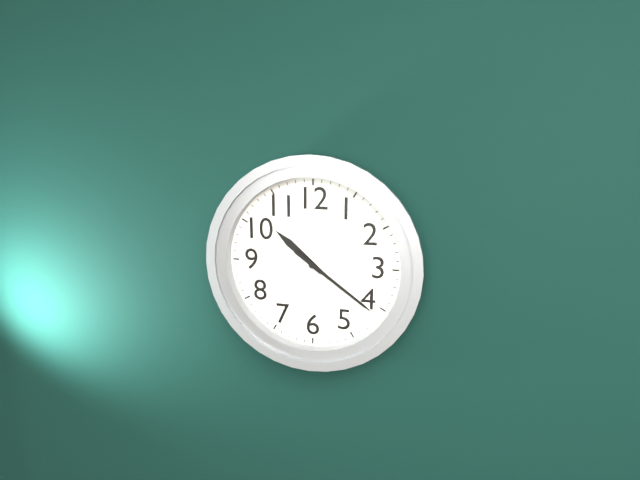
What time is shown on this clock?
10:21
